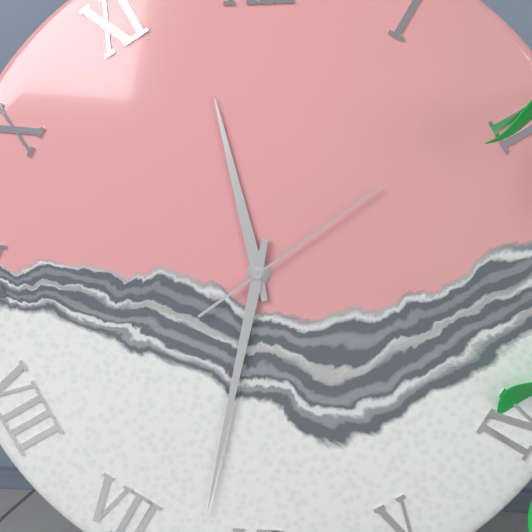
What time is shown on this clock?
11:32:09
